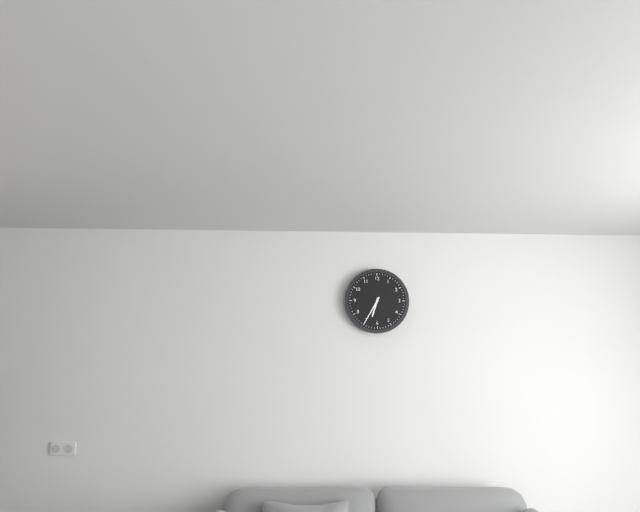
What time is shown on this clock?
6:35
